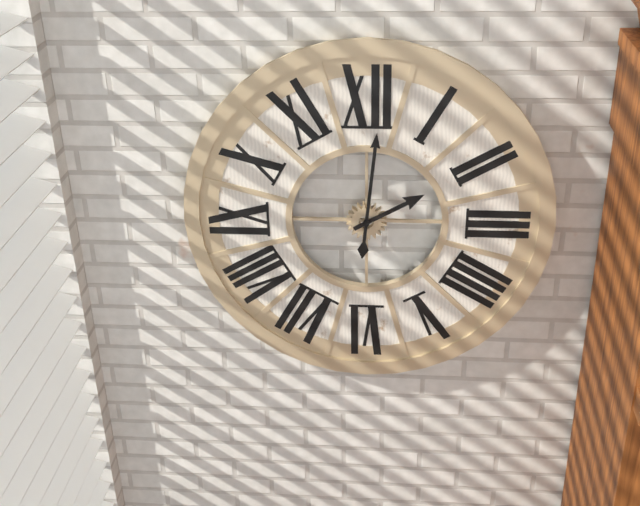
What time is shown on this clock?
2:01
